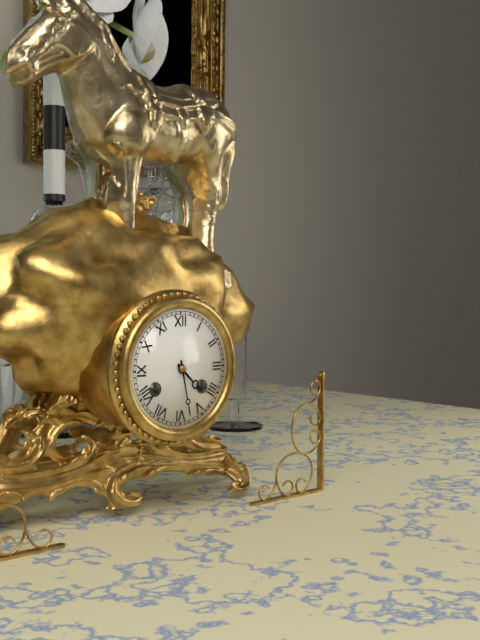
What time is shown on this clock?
4:28
